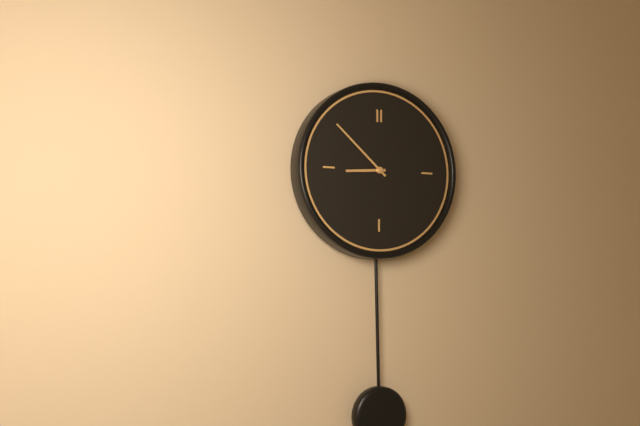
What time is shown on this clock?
8:52
